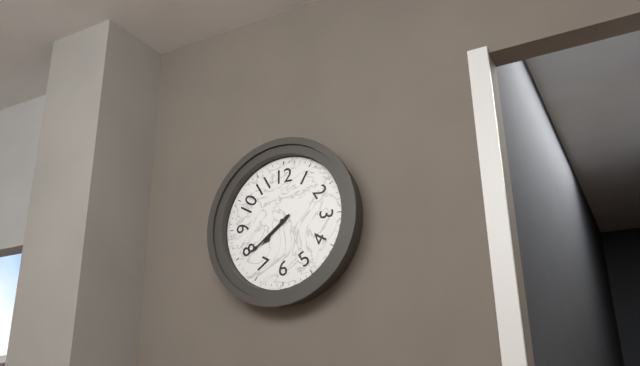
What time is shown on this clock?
7:39
